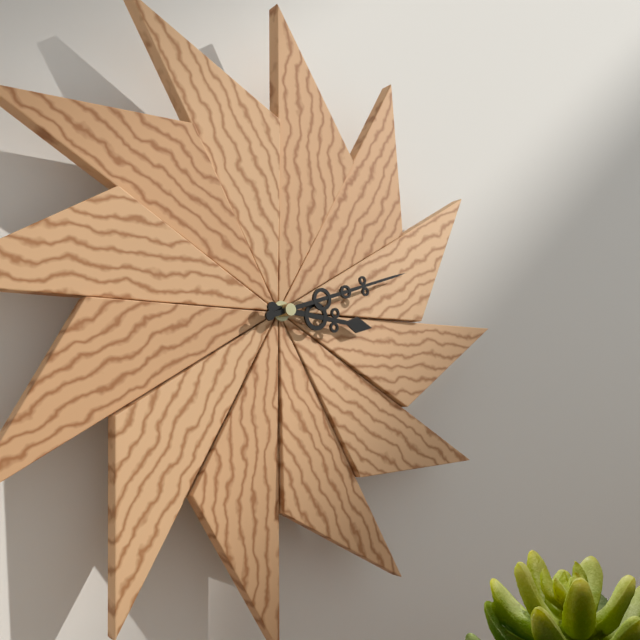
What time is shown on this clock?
3:12
